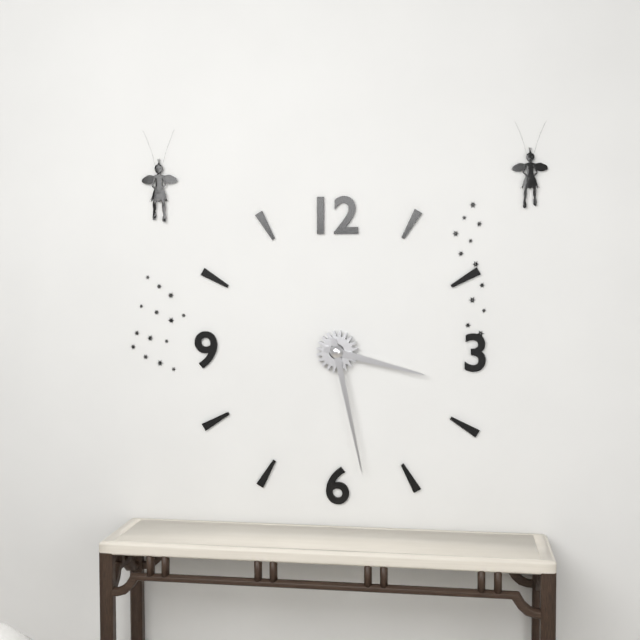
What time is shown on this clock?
3:28
